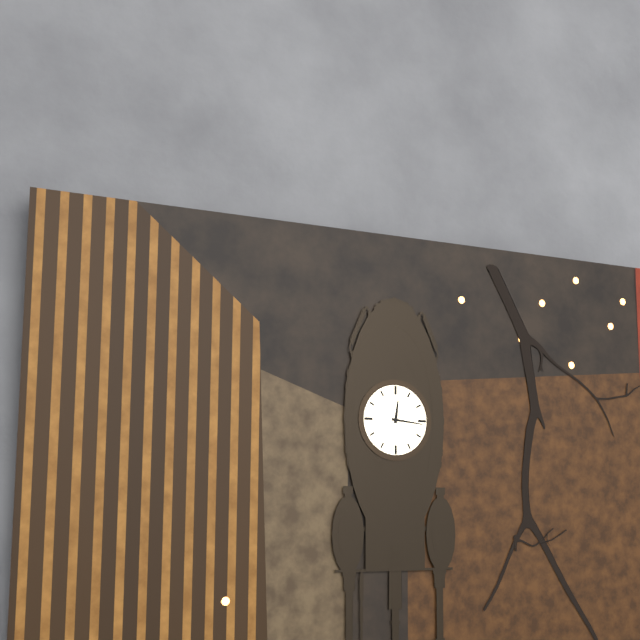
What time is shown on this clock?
12:16
